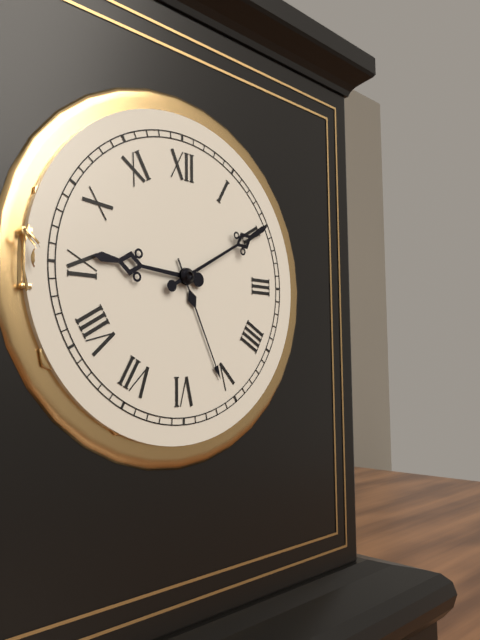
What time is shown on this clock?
9:10
